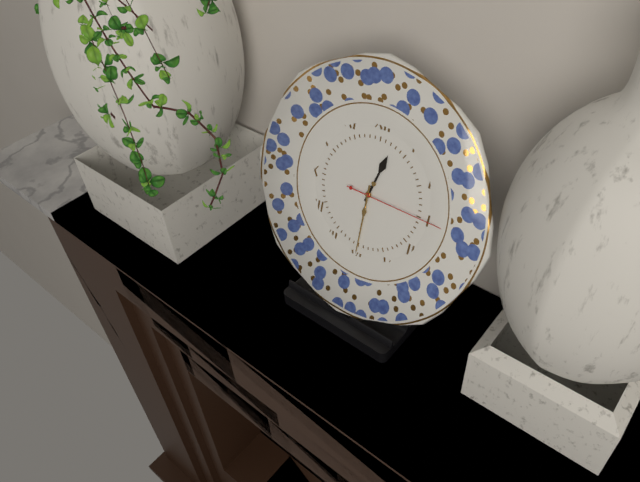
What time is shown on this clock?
12:30:15
